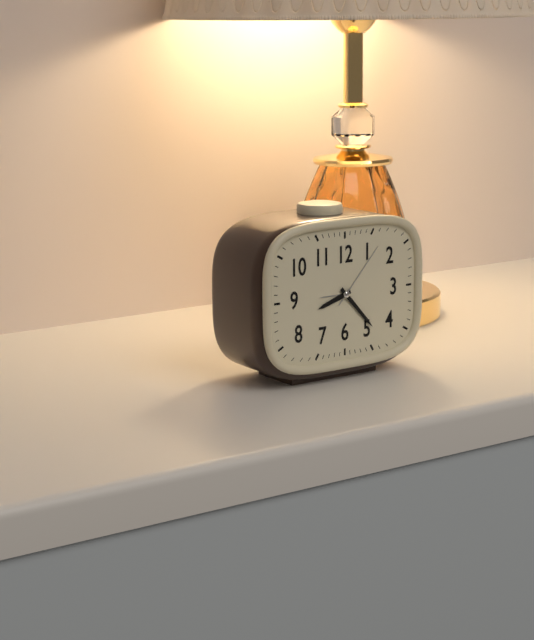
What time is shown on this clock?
8:23:07
